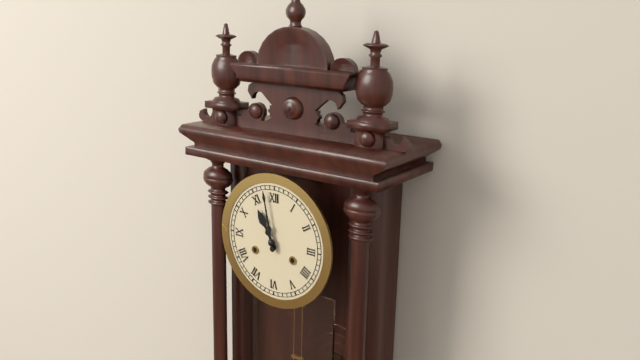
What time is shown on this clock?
10:58
